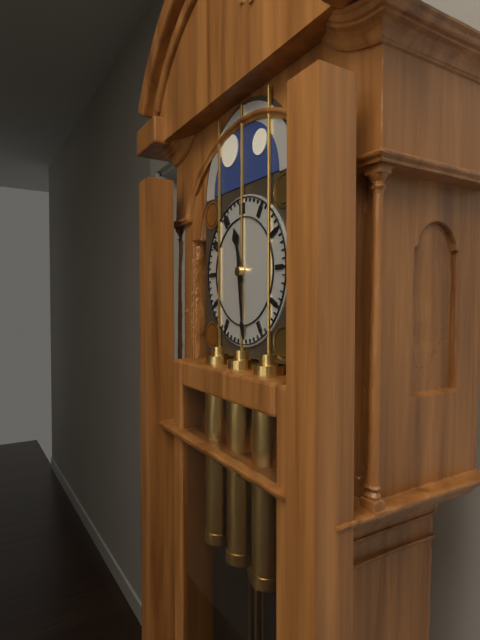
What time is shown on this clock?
11:29
